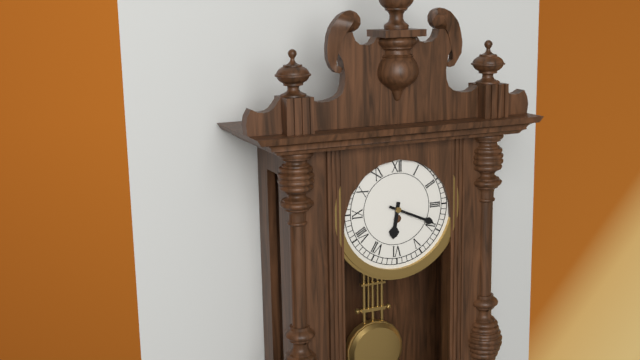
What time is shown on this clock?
6:19
